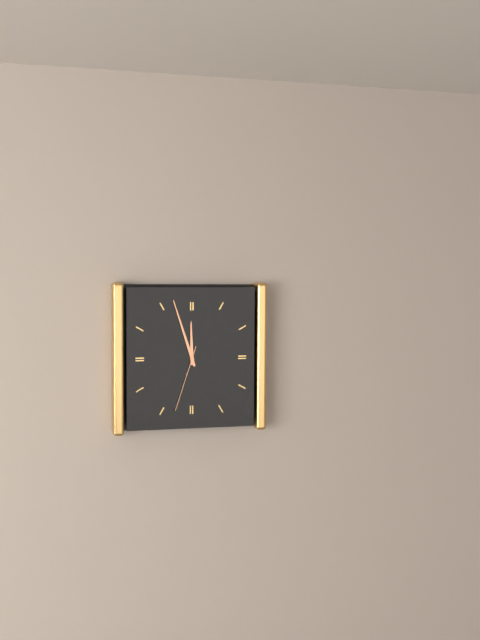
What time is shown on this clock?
11:57:33
